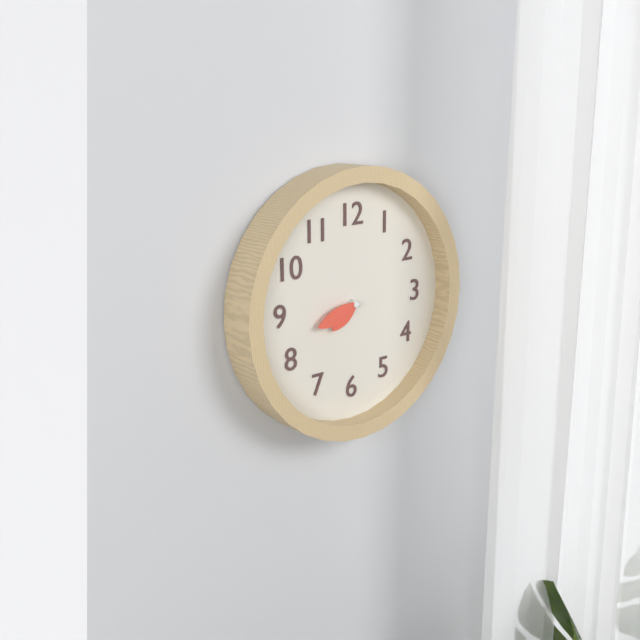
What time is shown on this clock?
7:42
